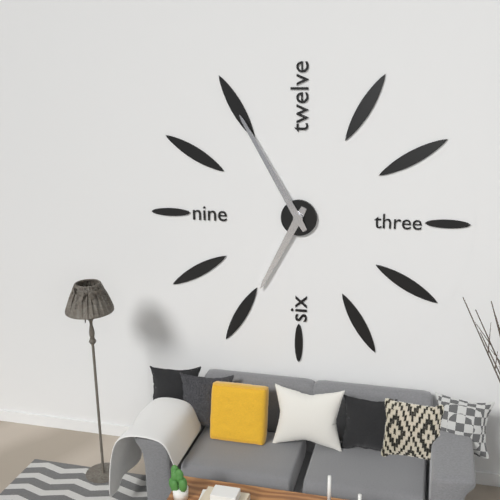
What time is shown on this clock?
6:55
